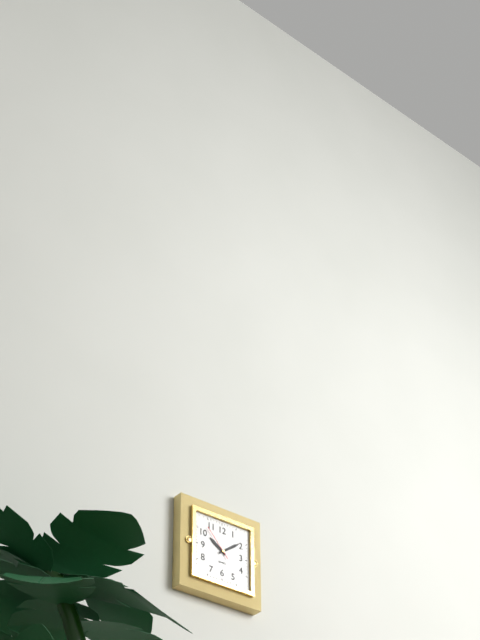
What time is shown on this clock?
10:09
